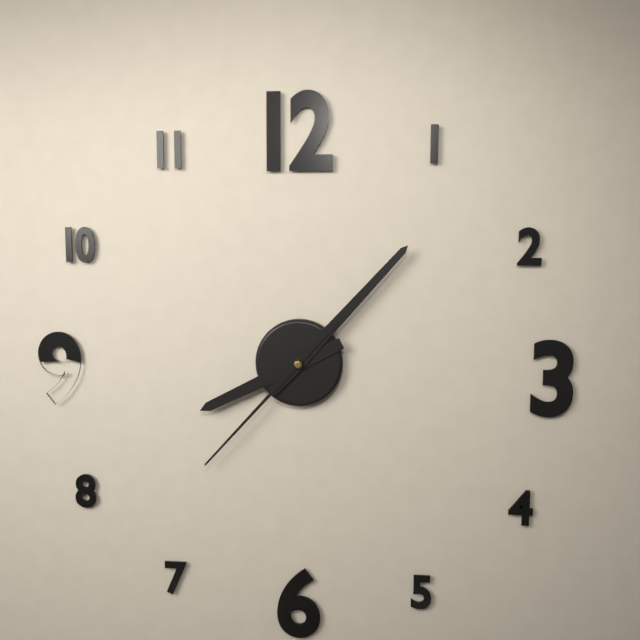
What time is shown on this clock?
8:07:37
